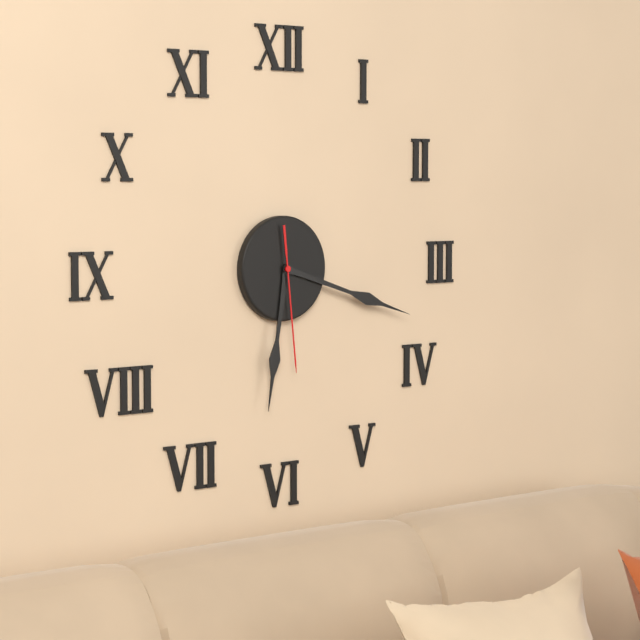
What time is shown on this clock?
6:18:29
